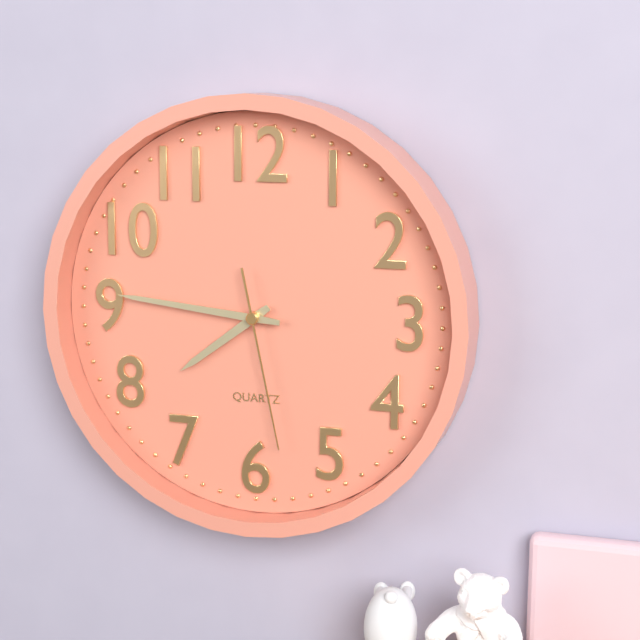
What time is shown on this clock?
7:46:28
